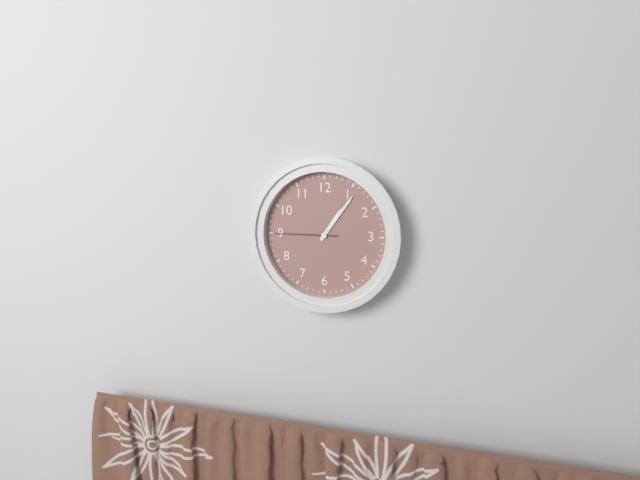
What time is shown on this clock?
1:06:45
